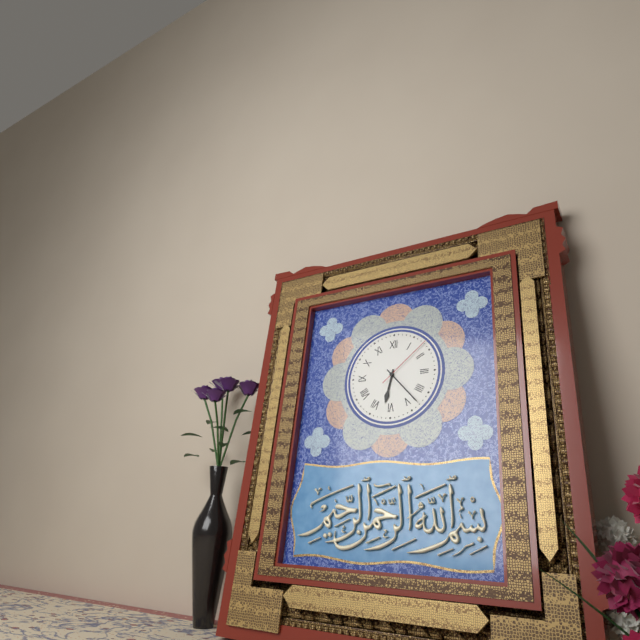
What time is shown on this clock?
6:23:08
